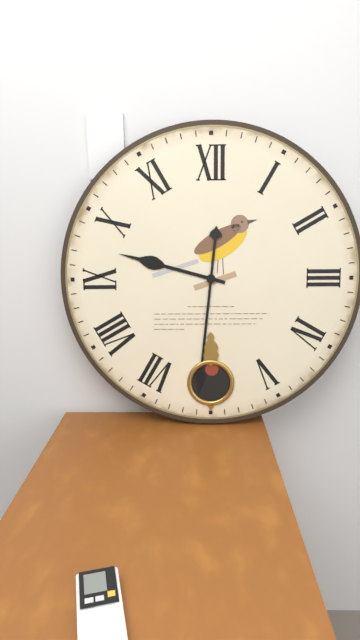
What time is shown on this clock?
9:31
